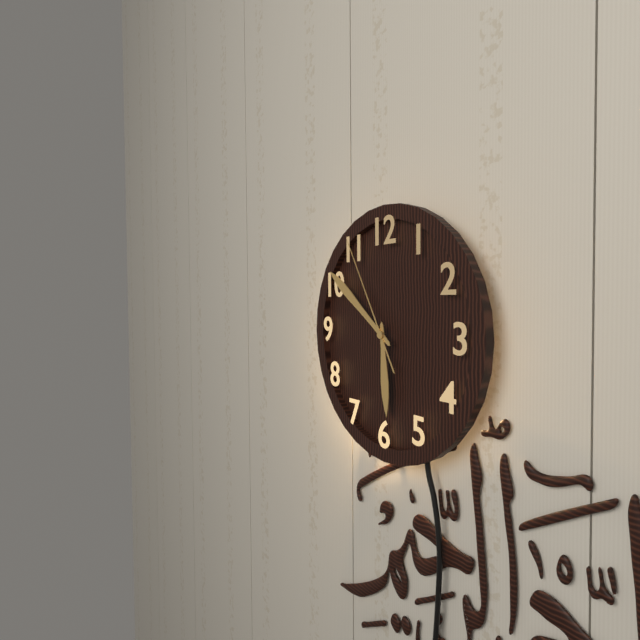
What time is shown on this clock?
5:51:55
